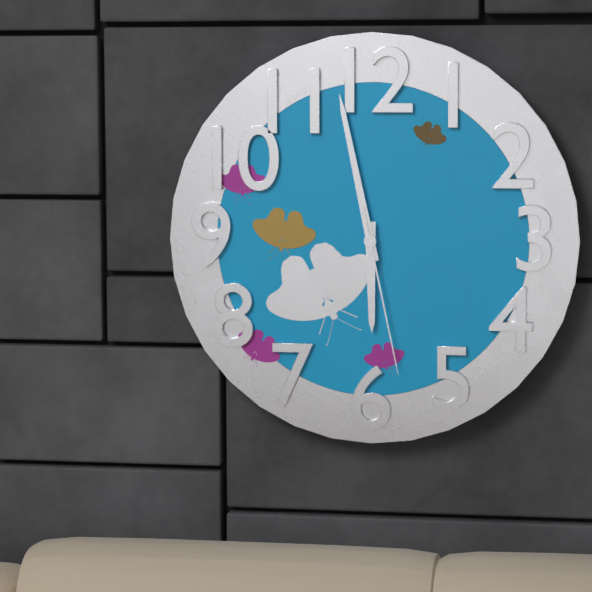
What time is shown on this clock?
5:58:28
